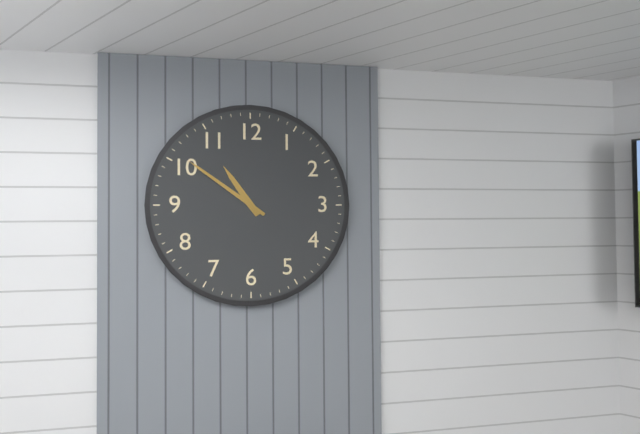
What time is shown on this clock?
10:51
